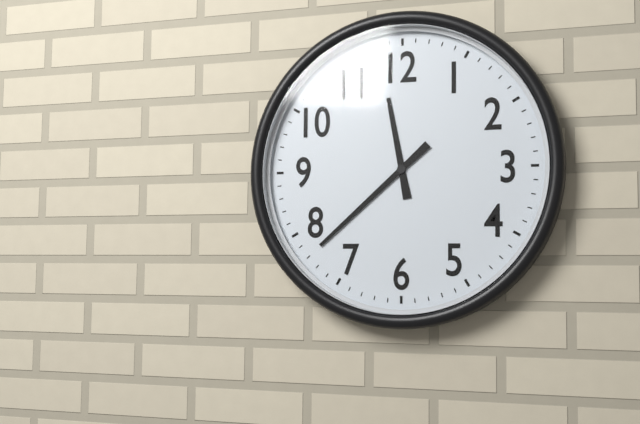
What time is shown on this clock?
11:38
